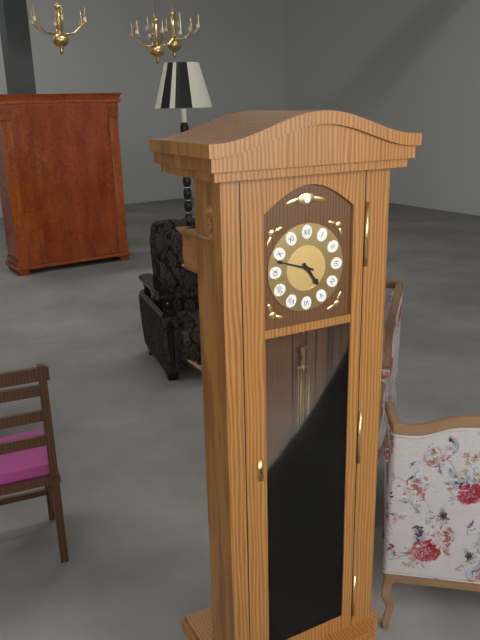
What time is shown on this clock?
4:48
